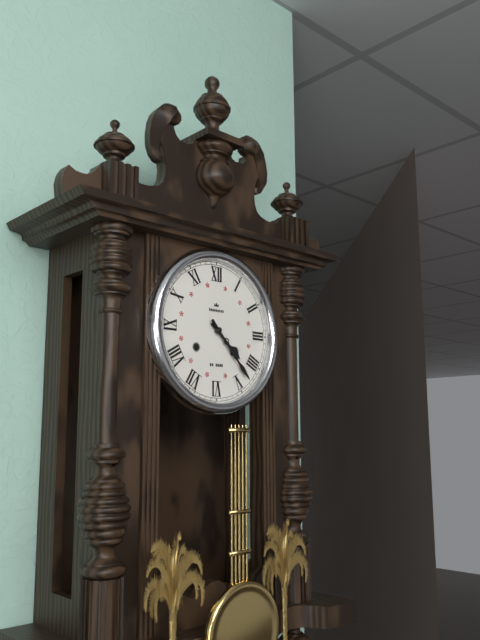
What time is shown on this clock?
4:23
